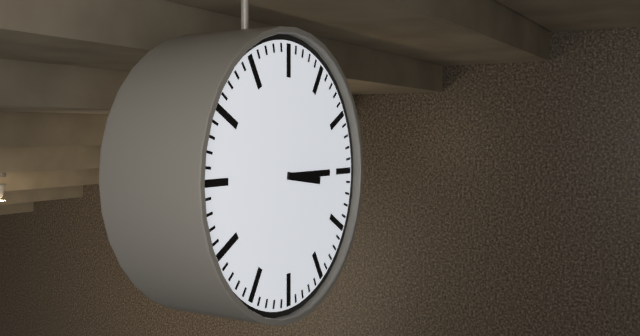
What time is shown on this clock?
3:15
